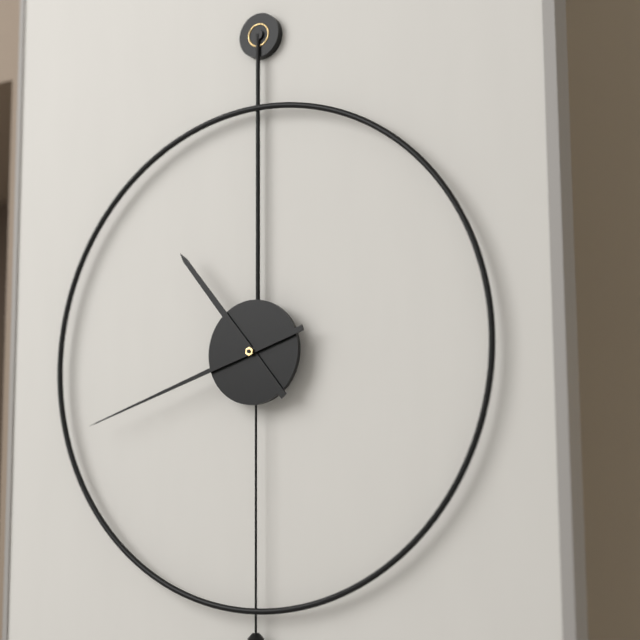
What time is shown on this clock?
10:42
